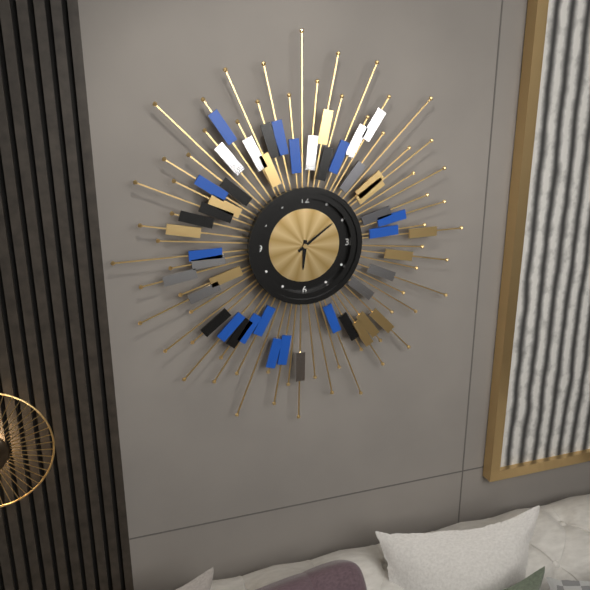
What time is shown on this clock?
6:09
